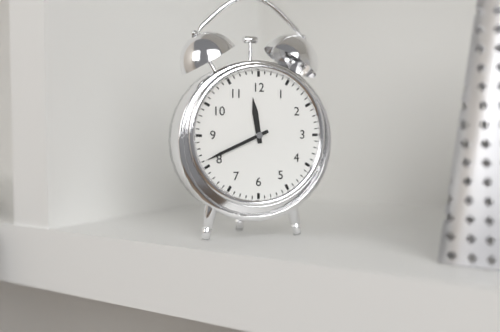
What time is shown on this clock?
11:41
